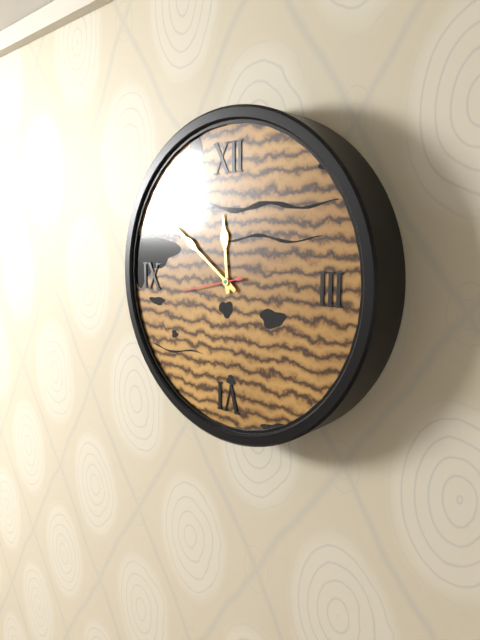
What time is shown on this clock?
11:51:43
